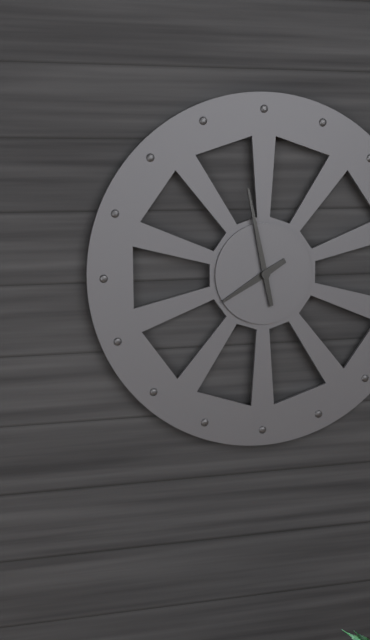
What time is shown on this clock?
7:58
